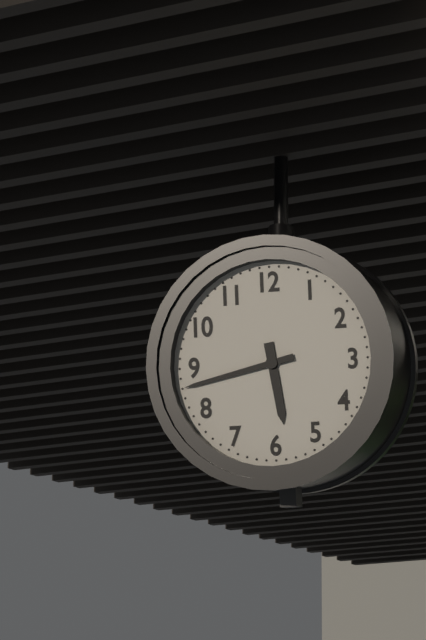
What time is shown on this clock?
5:43
